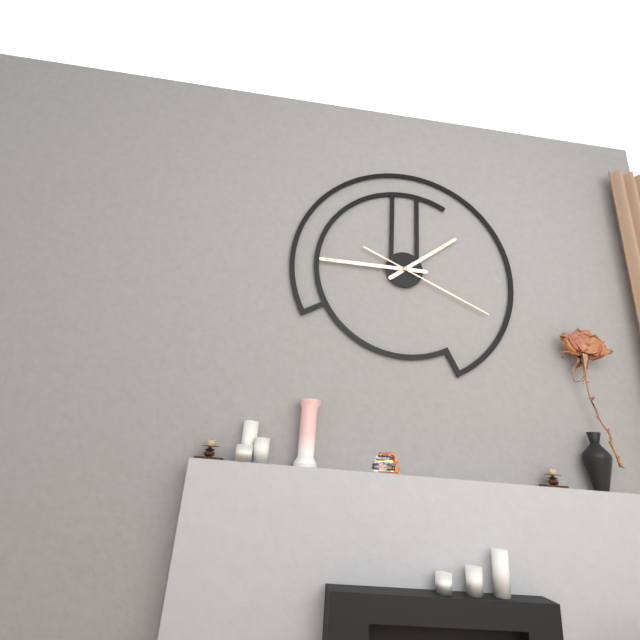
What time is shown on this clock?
1:45:19
